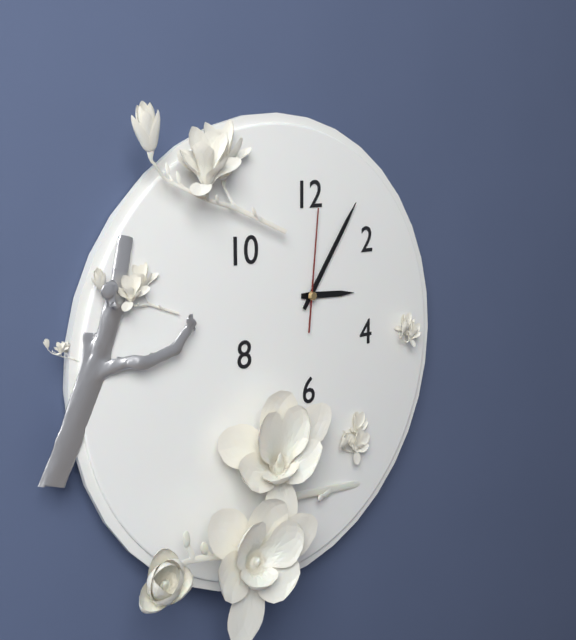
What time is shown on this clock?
3:06:01
